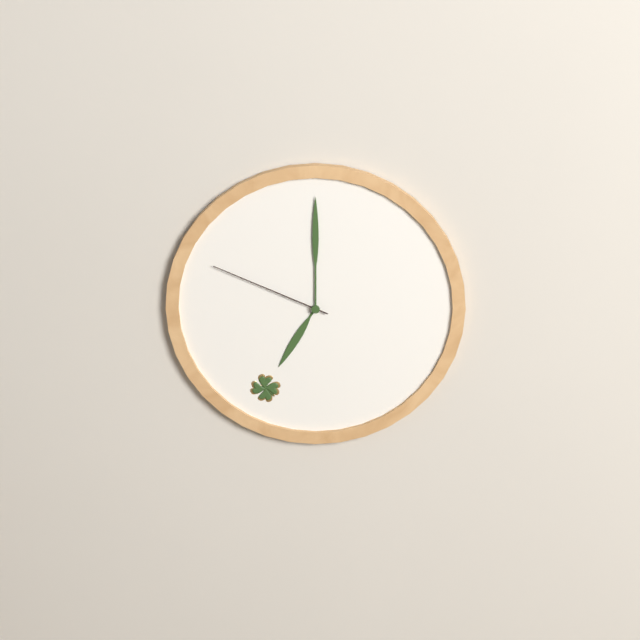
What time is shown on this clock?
7:00:49
